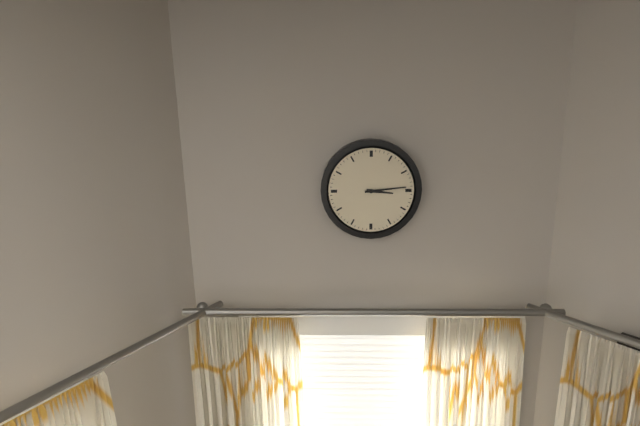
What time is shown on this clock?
3:14
